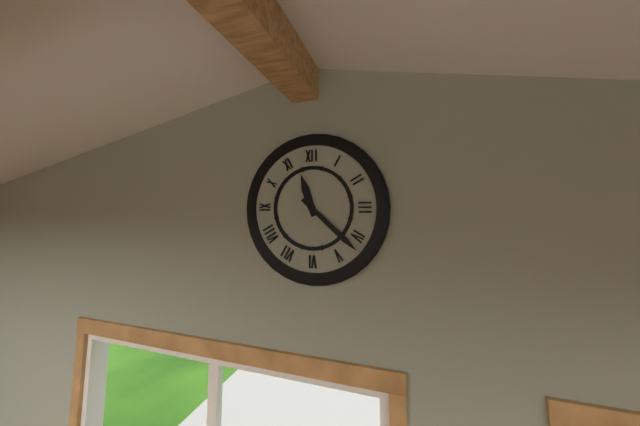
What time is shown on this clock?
11:22
